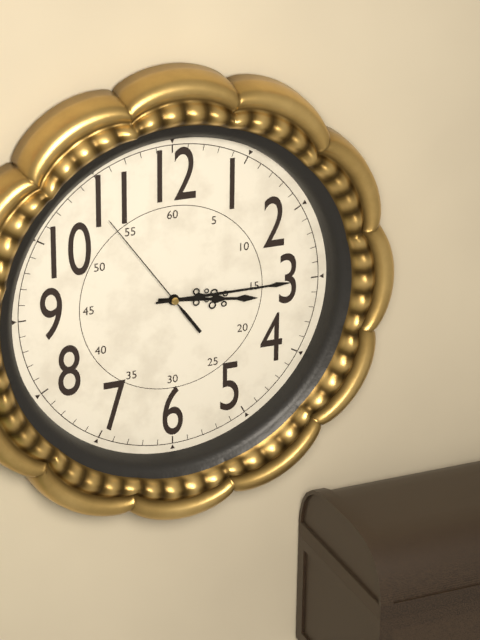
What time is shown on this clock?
3:15:54
